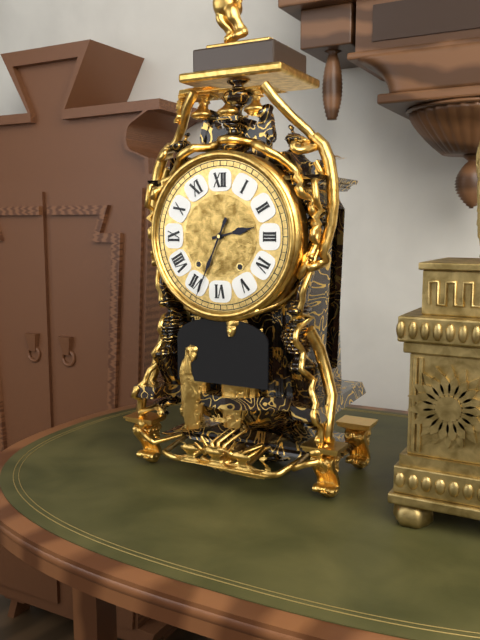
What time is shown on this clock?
2:34
